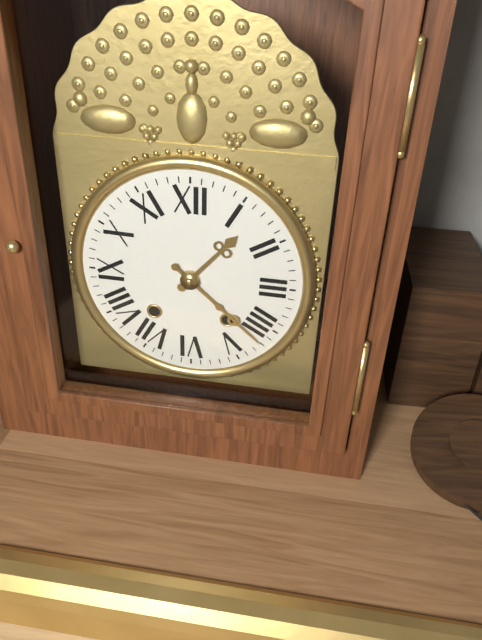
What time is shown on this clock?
1:22
